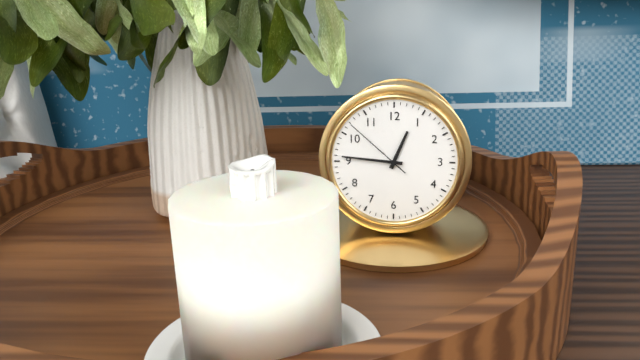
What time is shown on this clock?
12:46:52
